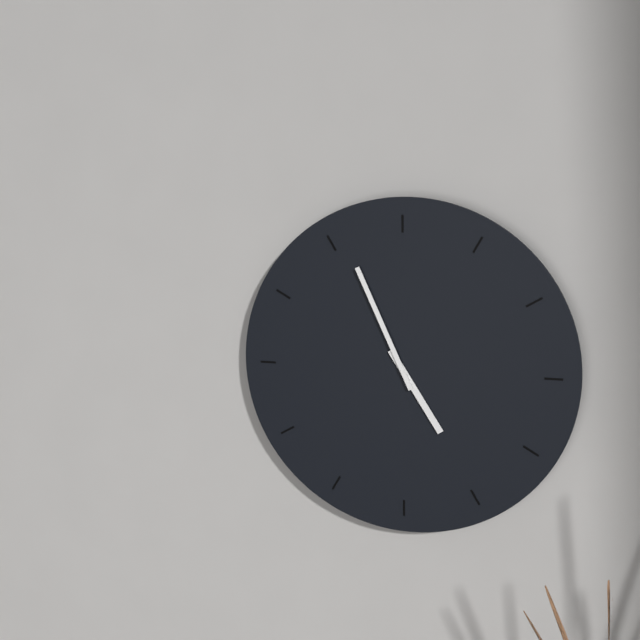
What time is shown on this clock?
4:56
